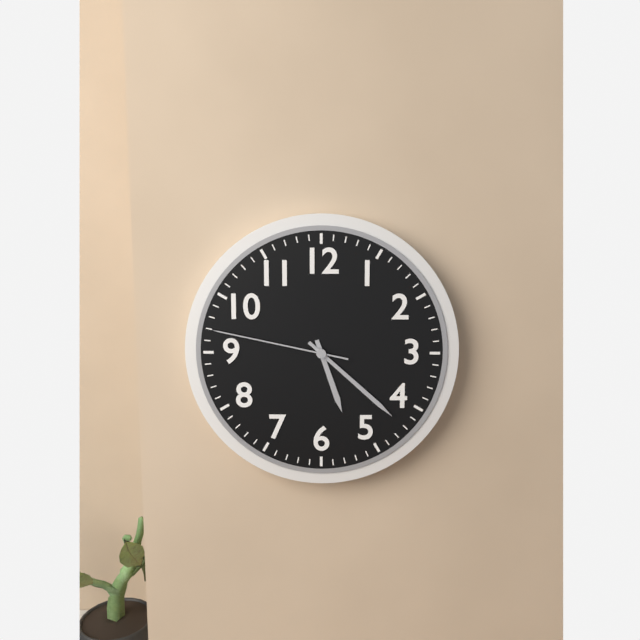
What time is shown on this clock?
5:22:47
